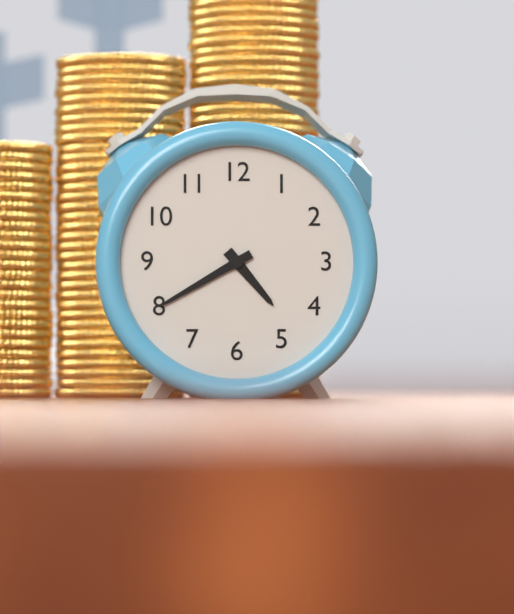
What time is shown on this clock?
4:40
